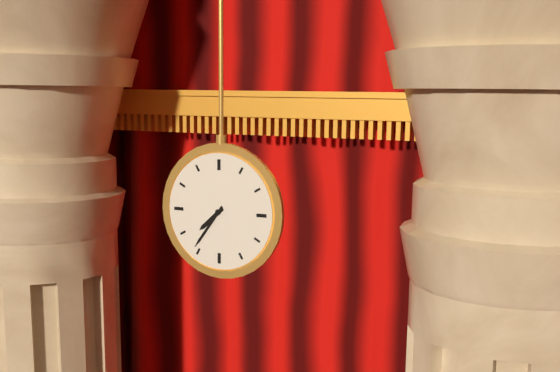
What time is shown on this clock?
7:36
